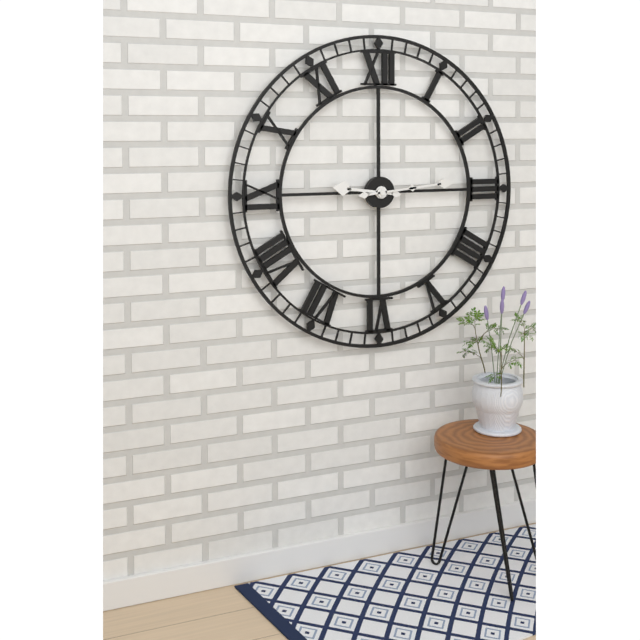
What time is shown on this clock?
9:14
